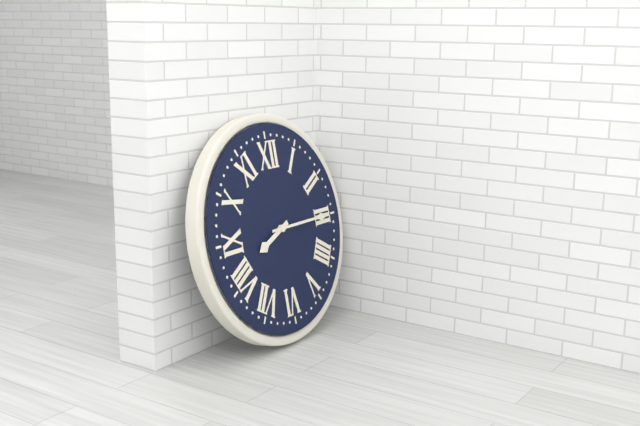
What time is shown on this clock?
8:15
